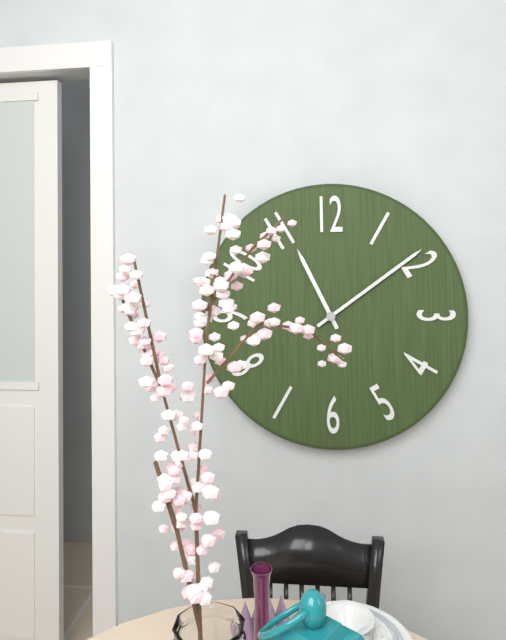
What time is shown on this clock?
11:09
